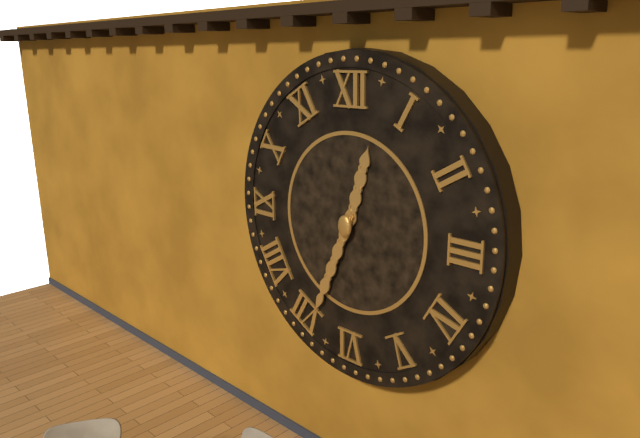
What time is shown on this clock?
12:34
